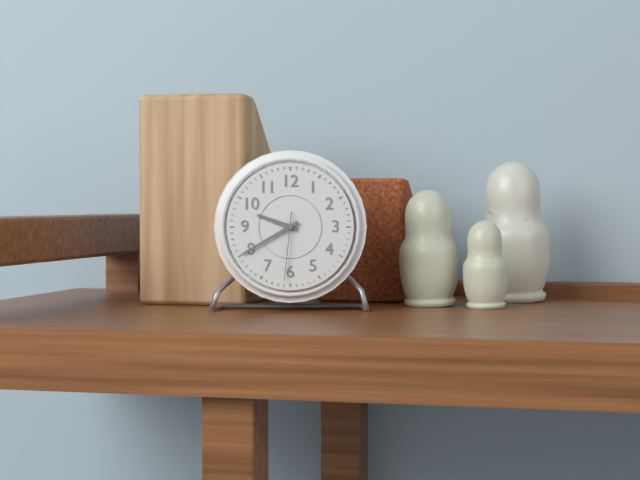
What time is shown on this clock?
9:40:31
